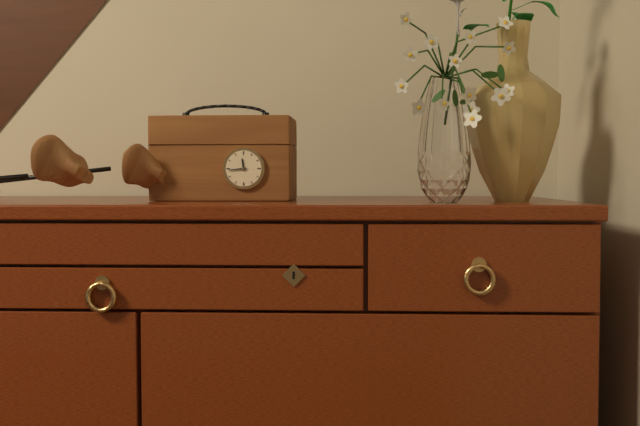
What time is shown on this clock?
11:44
